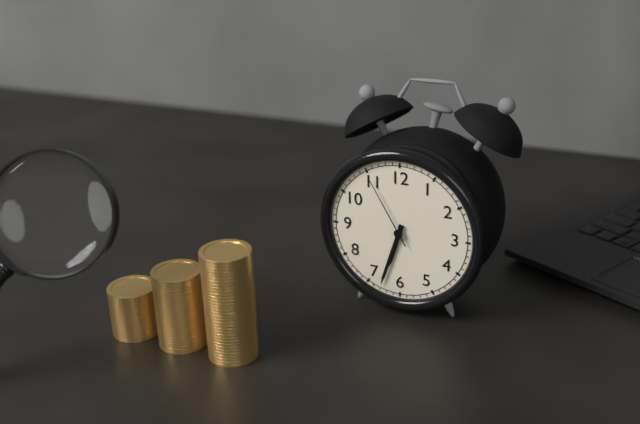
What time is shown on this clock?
6:33:55
